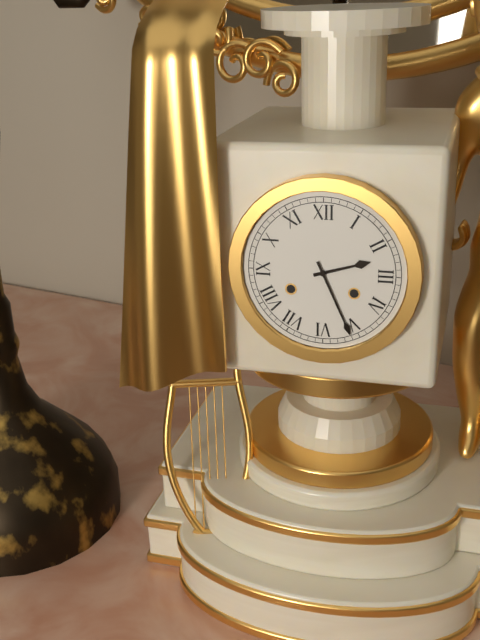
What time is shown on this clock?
2:26
